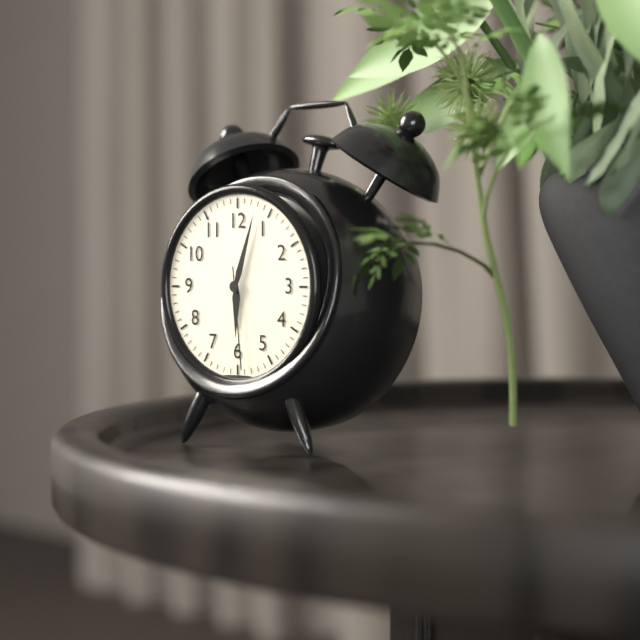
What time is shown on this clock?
6:03:29
